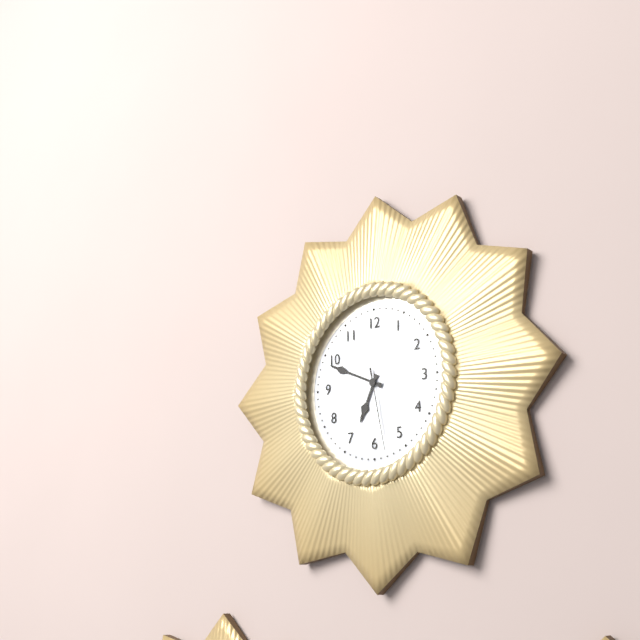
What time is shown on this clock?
6:49:28
